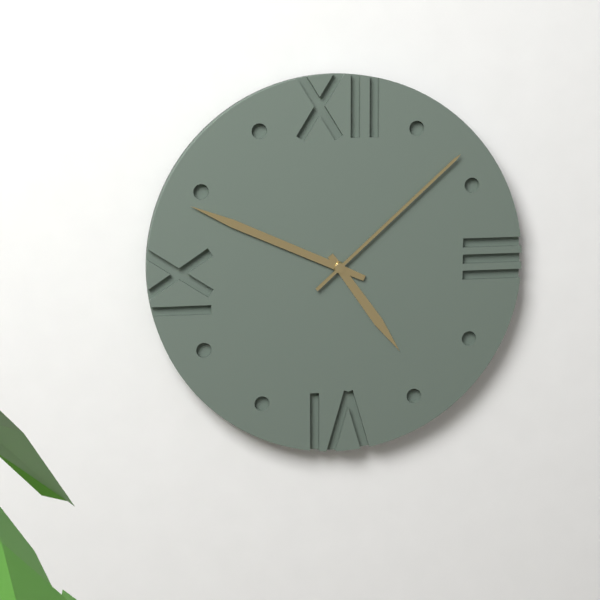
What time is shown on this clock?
4:49:08
